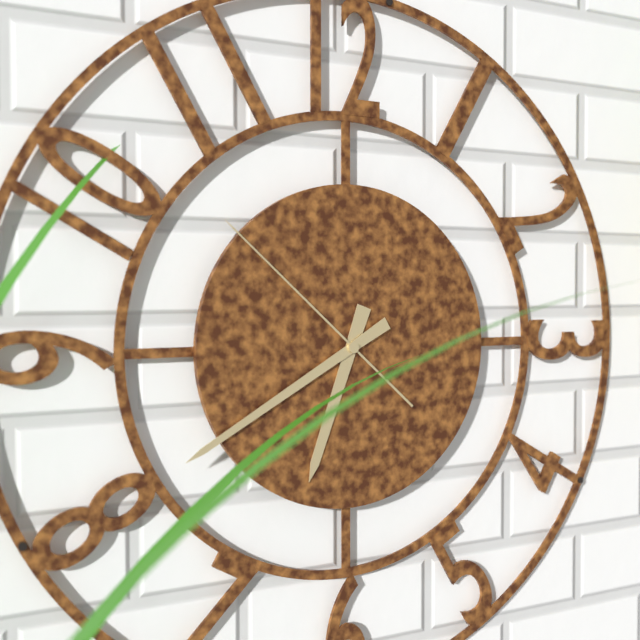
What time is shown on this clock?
6:40:52
